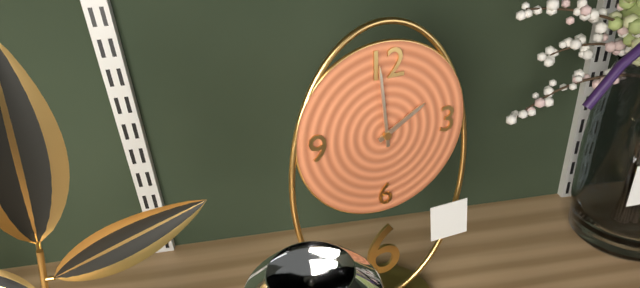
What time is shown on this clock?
1:59
